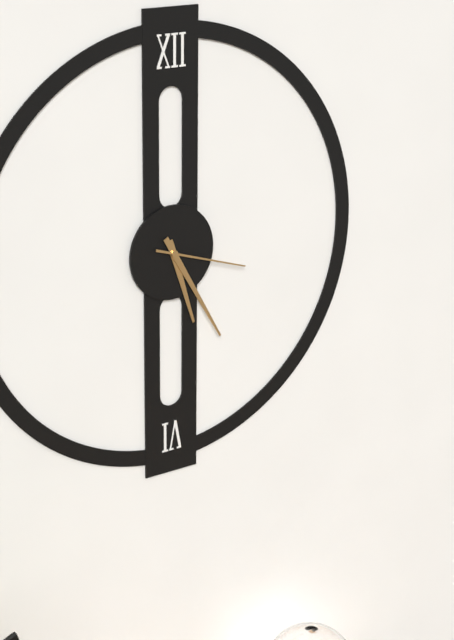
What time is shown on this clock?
5:25:18
